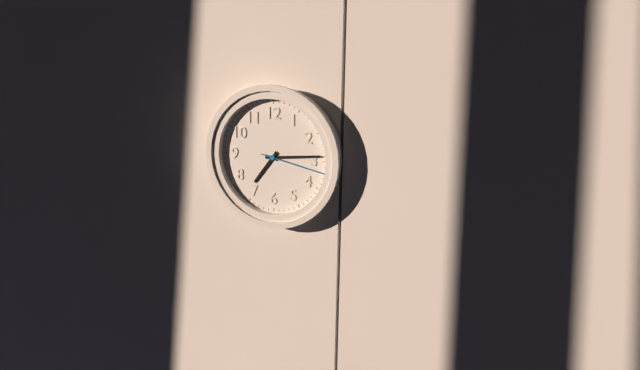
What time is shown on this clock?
7:14:17
